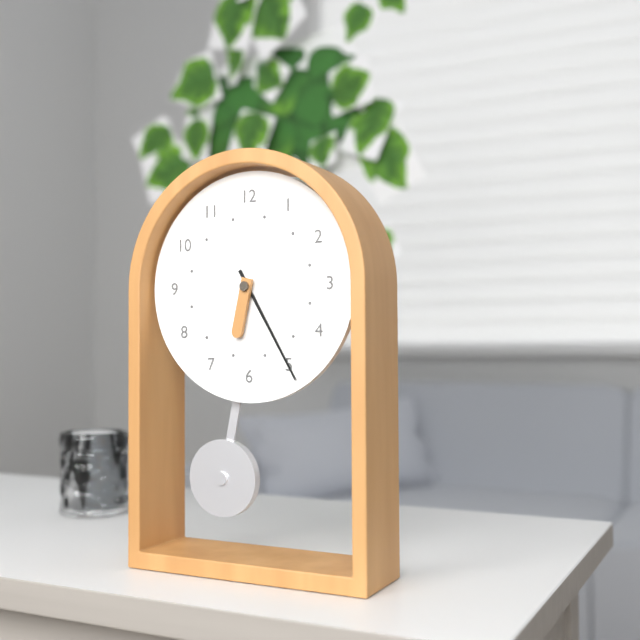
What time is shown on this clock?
6:25
